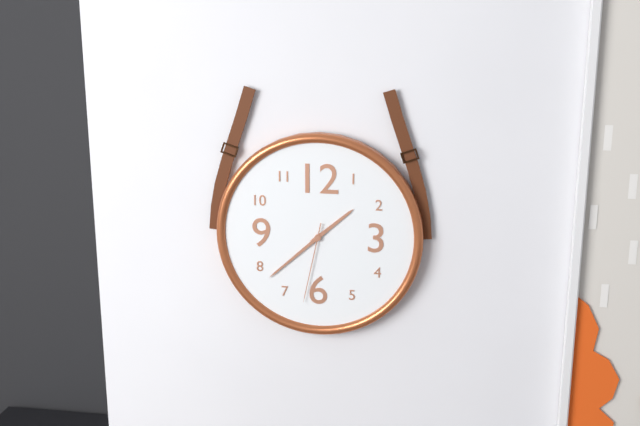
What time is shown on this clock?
1:38:32
